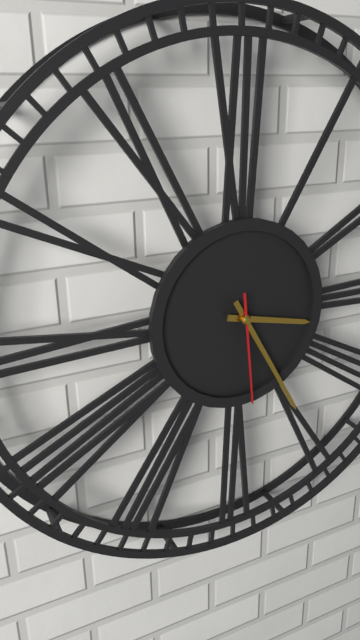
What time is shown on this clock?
3:25:29
